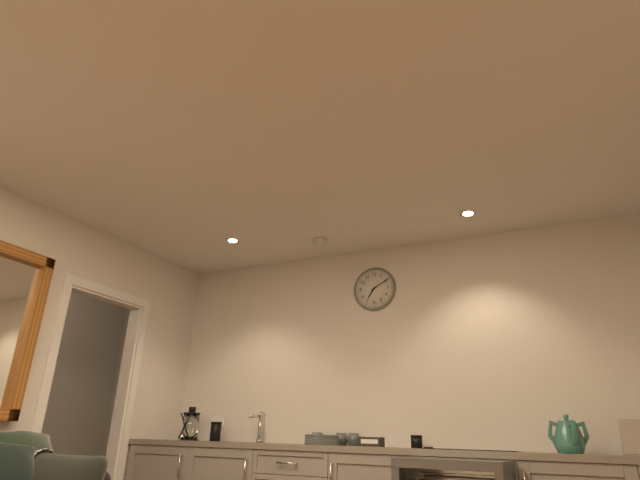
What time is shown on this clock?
7:10
